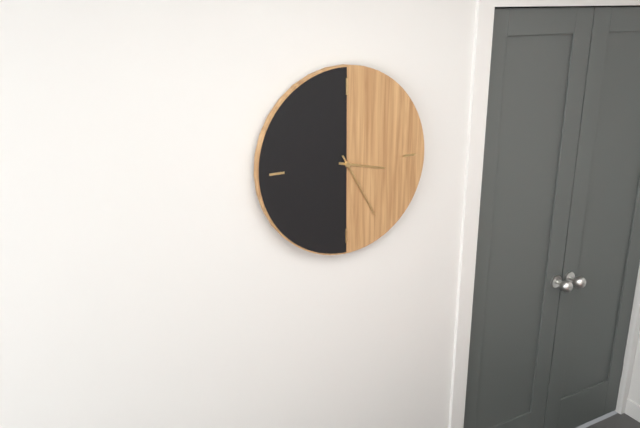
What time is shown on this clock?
3:25
